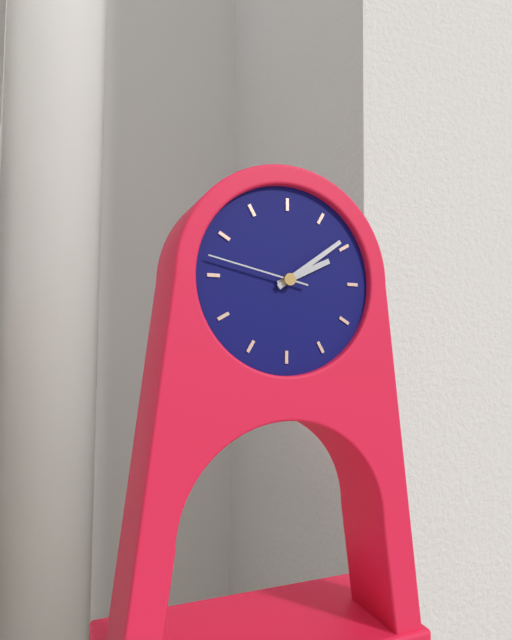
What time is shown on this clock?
2:09:47
